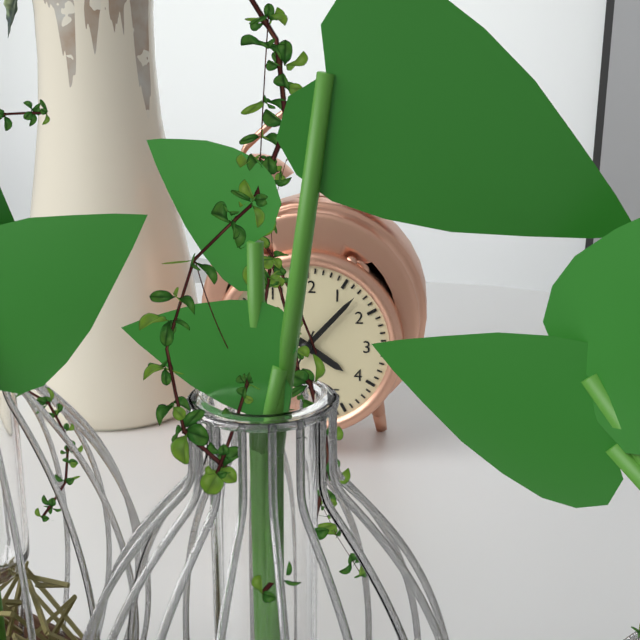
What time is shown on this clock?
4:07
